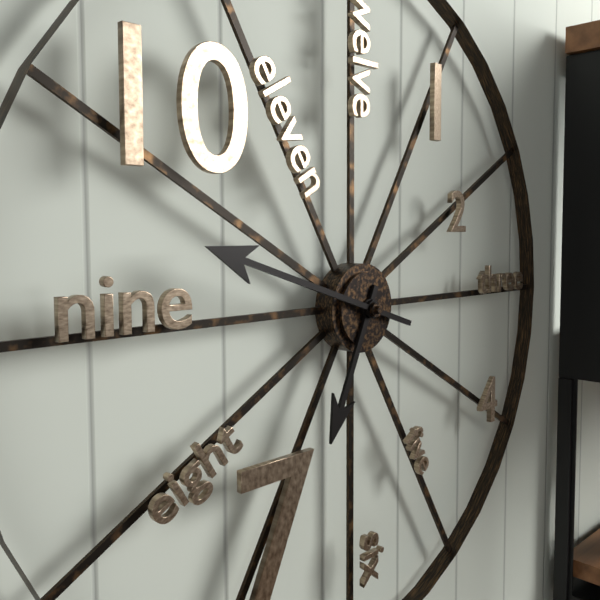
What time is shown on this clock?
6:48
